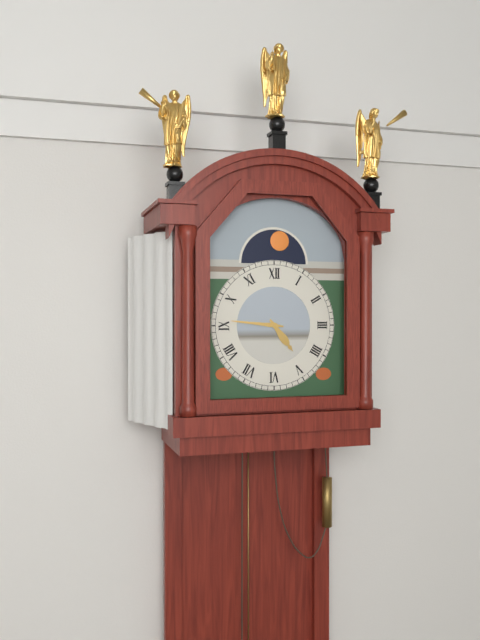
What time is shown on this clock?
4:46
